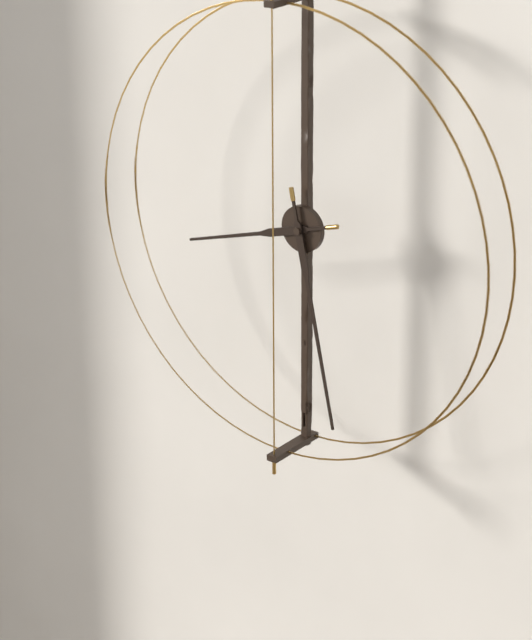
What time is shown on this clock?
8:28
